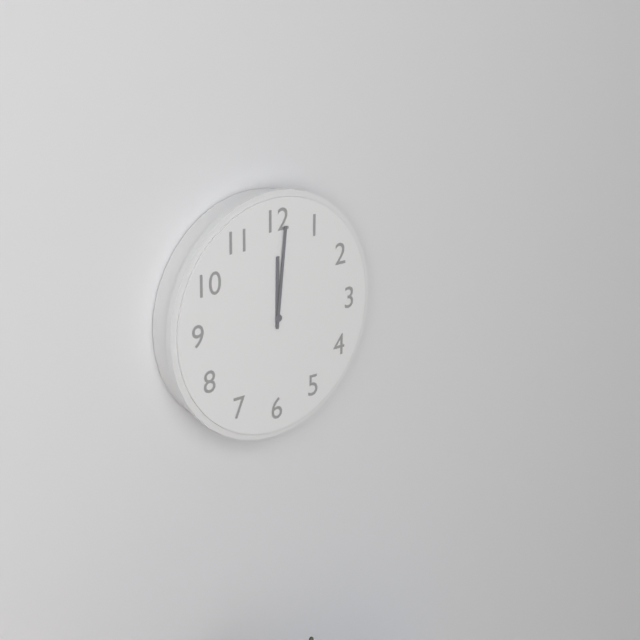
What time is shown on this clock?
12:01
